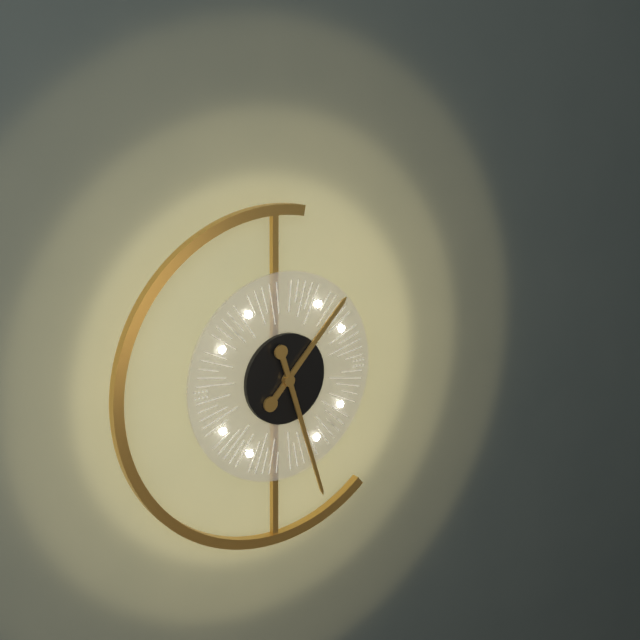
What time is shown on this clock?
1:27
